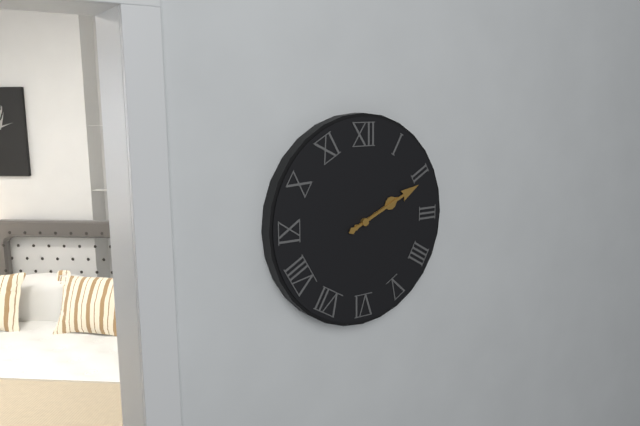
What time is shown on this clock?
2:11
